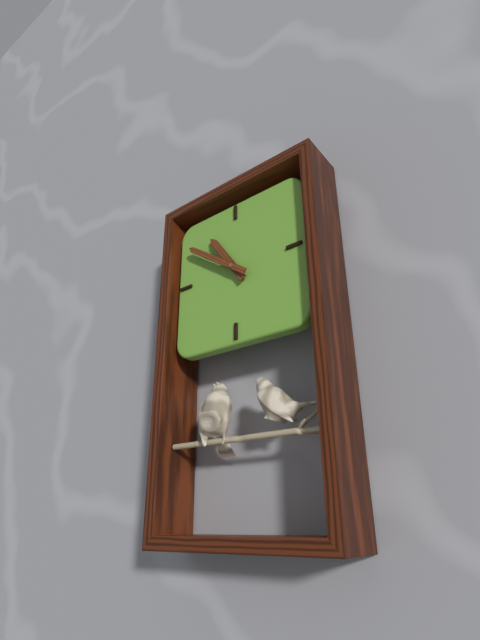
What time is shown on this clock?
10:51
